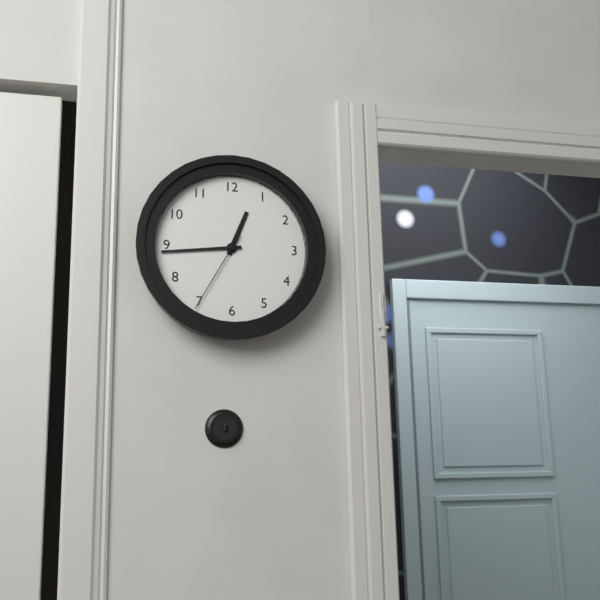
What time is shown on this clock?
12:44:35
